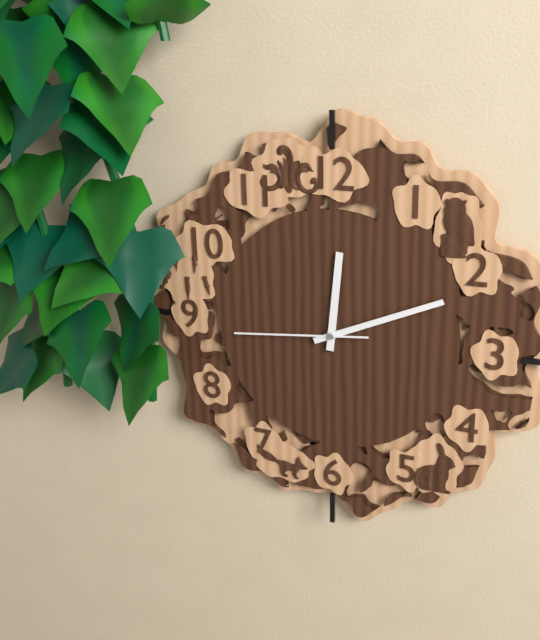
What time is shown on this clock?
12:11:44
